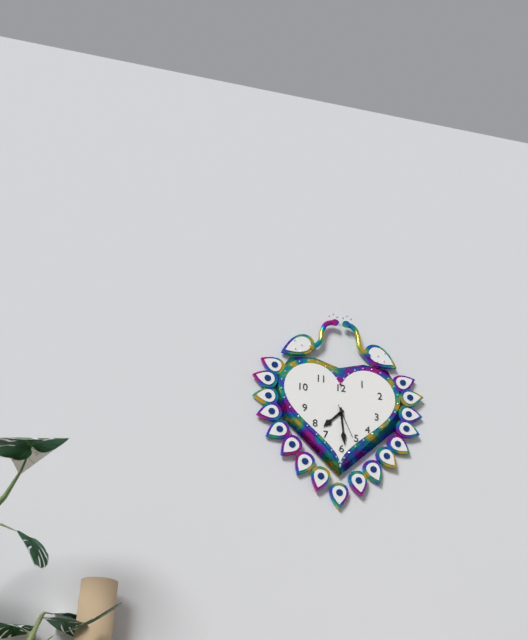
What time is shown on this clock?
7:29
